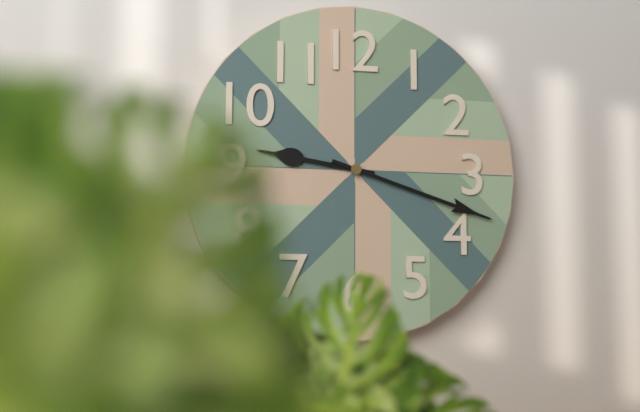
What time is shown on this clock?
9:18
